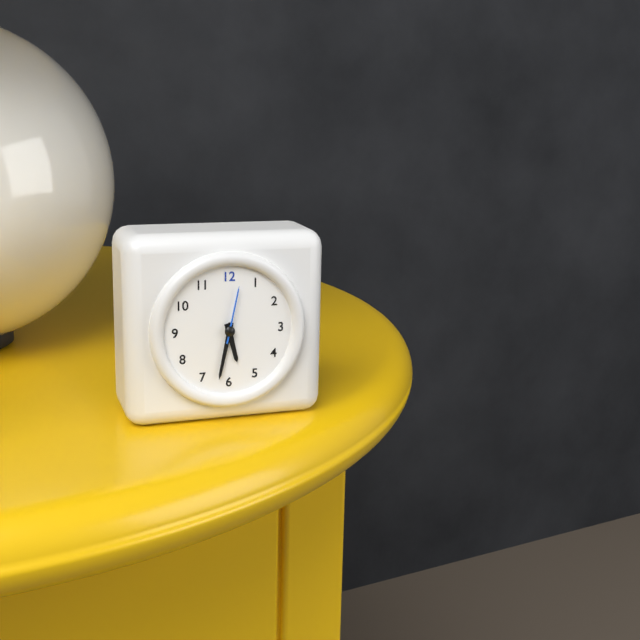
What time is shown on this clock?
5:32:02
